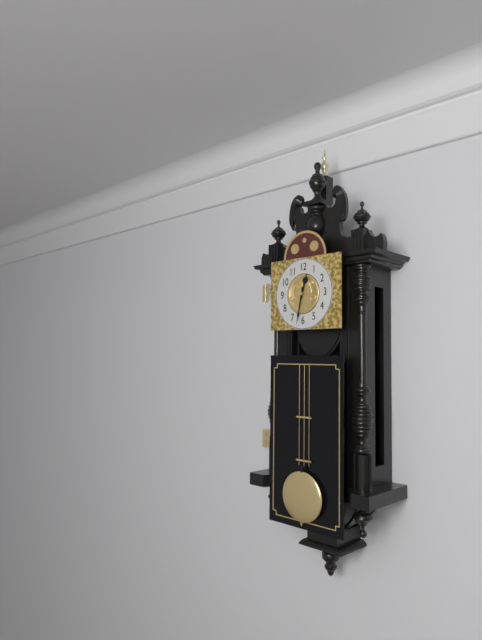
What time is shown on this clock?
12:32
